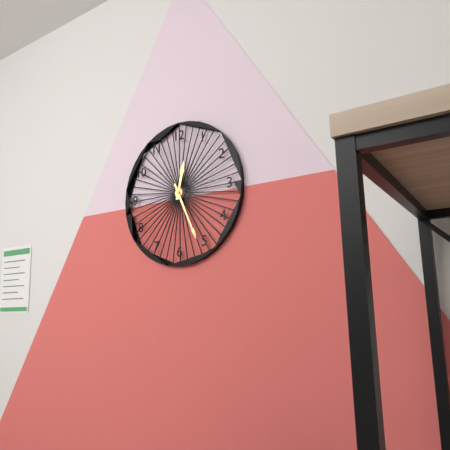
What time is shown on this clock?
12:26
